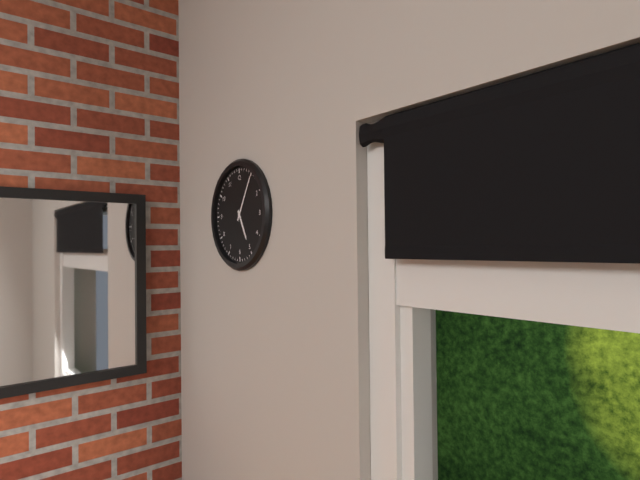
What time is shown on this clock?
5:05
